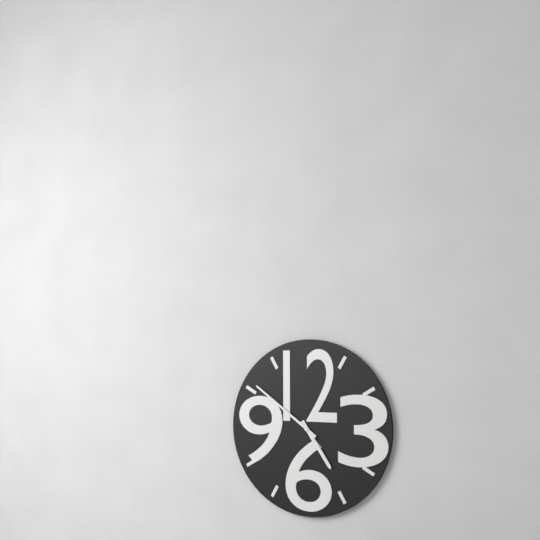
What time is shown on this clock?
4:51
